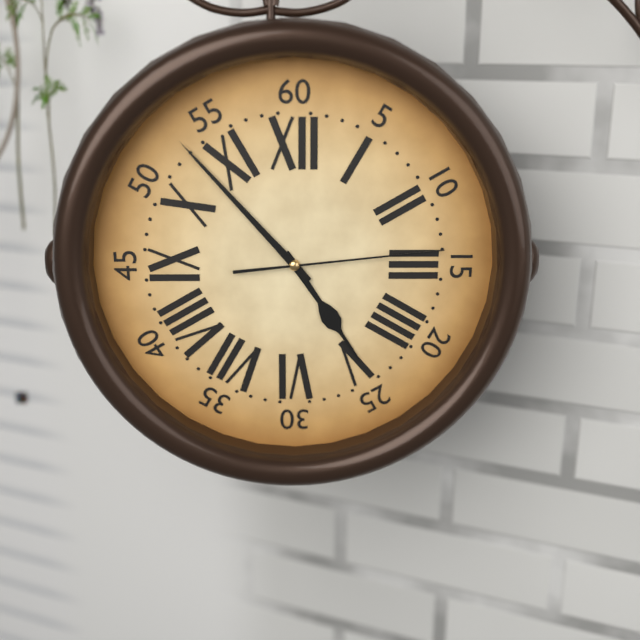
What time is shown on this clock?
4:53:14
